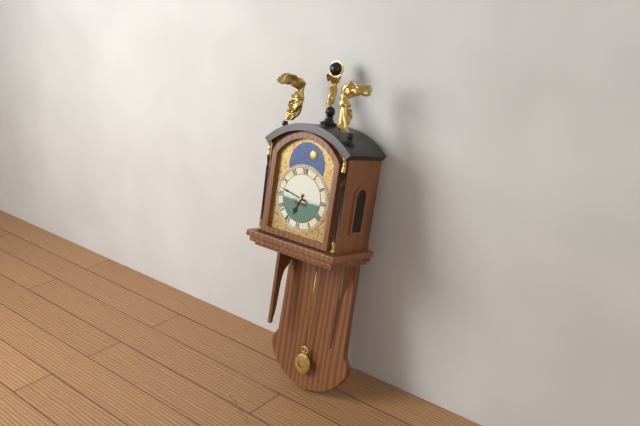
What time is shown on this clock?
6:47
